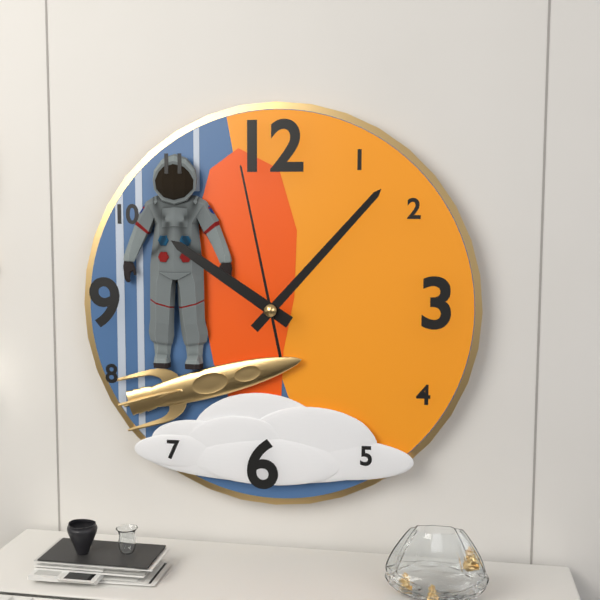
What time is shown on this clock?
10:07:58
